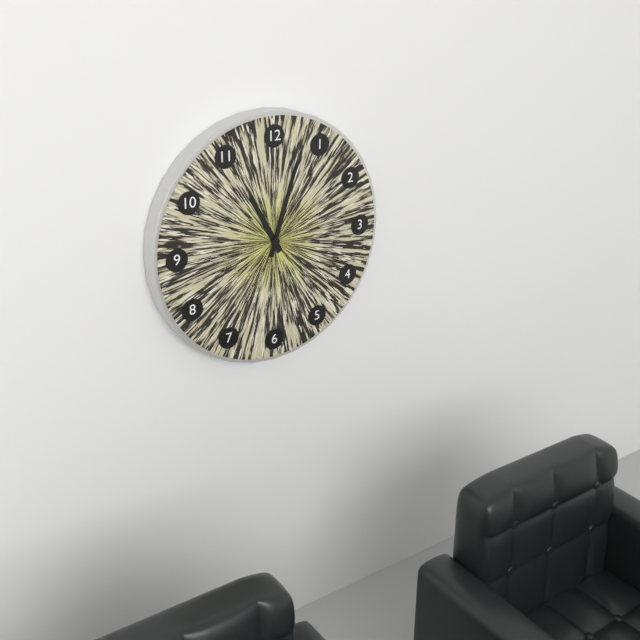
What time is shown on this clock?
11:03
